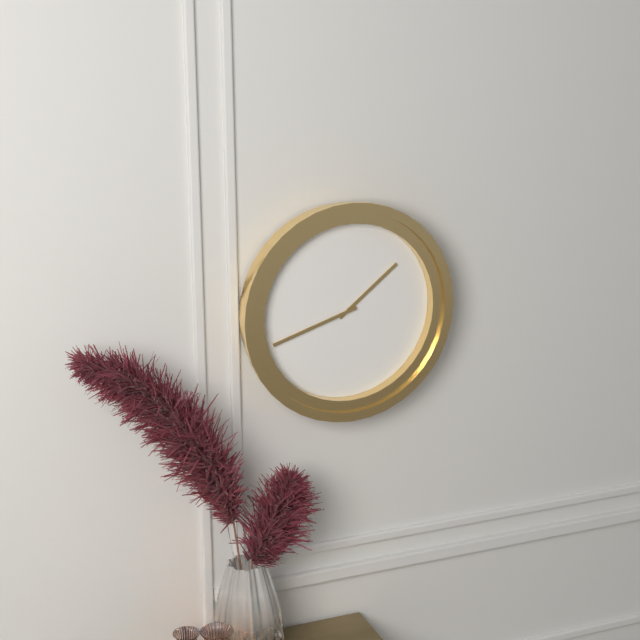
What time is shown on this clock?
1:42
